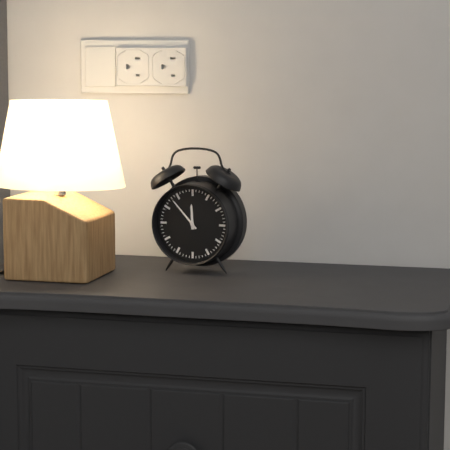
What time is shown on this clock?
11:53
